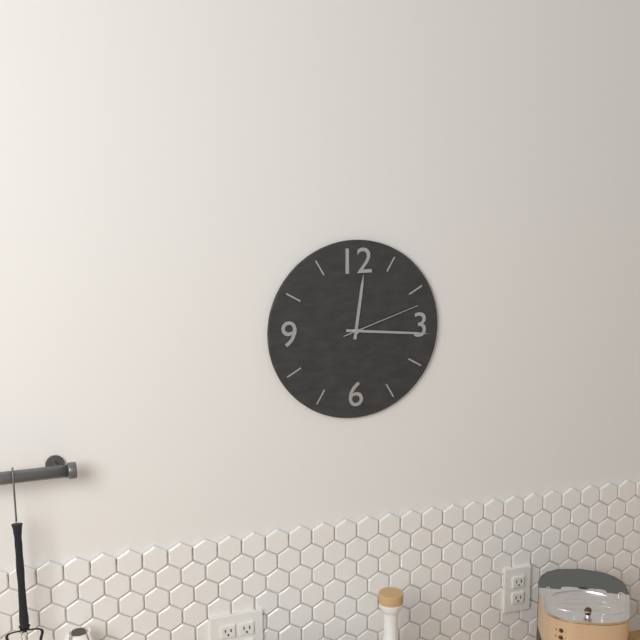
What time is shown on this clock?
12:16:12
